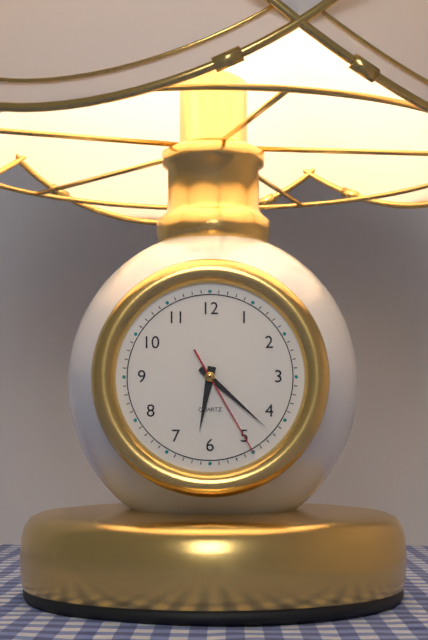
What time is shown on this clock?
6:22:25
